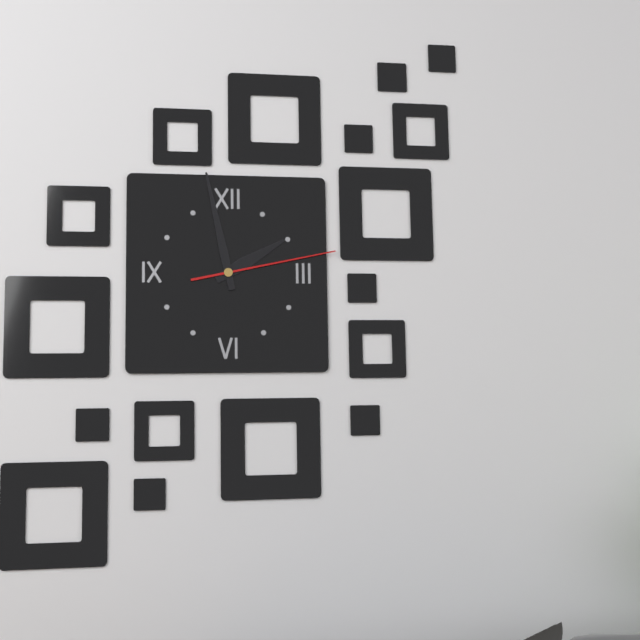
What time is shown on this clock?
1:58:13
